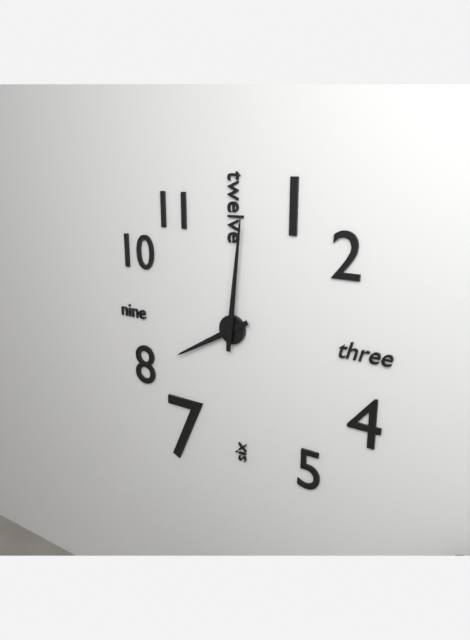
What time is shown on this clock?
8:01
